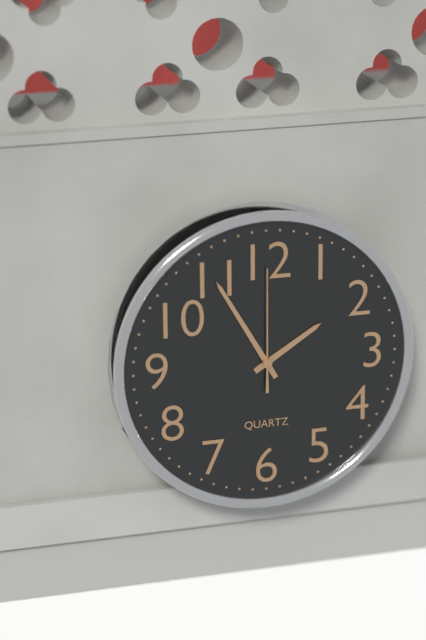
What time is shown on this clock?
1:55:00
